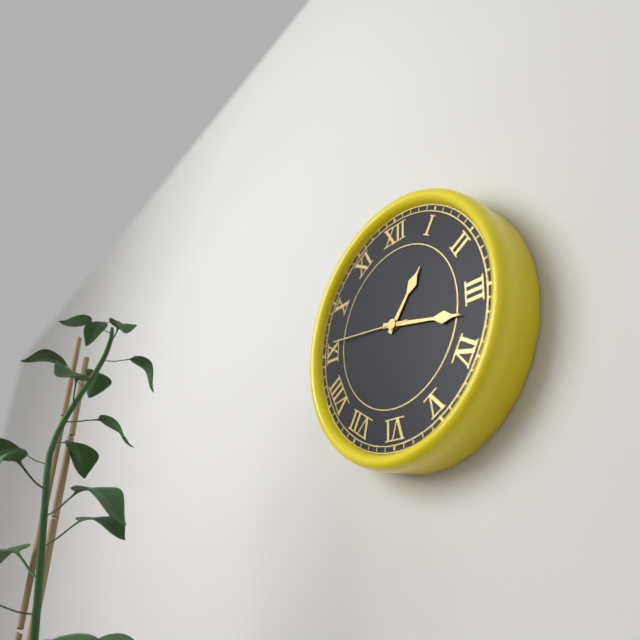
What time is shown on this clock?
1:17:46
